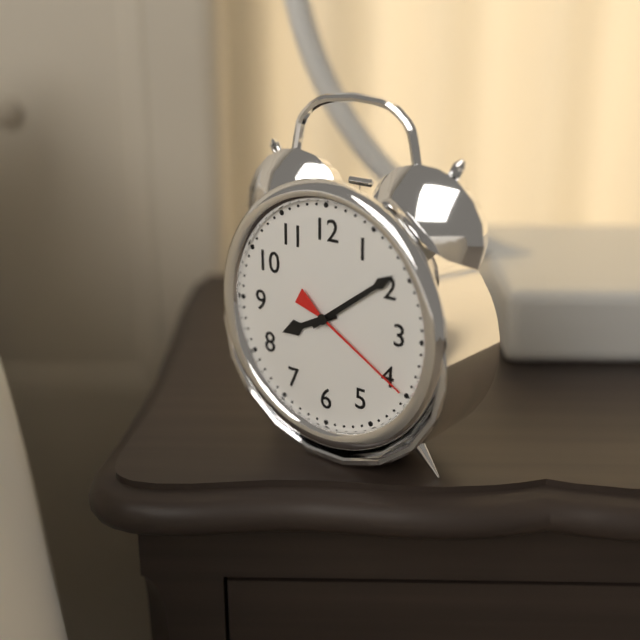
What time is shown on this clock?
8:09:20
